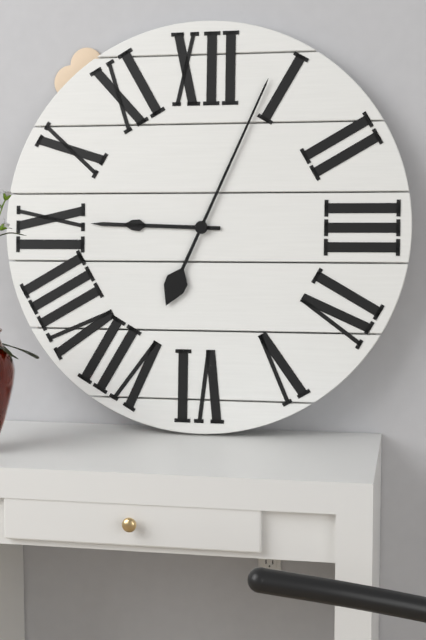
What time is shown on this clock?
9:04
